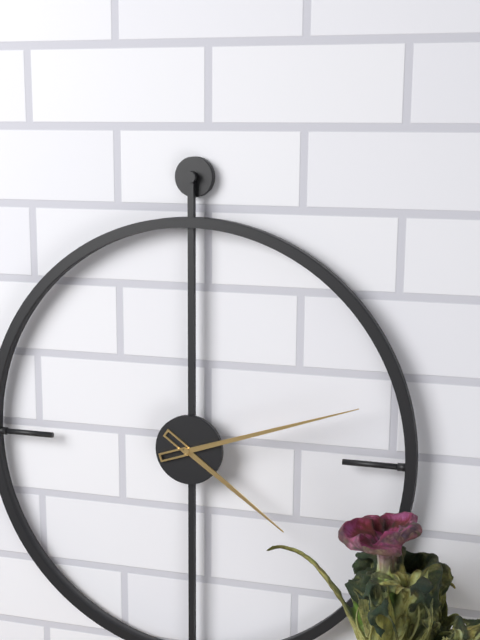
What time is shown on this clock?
4:12
